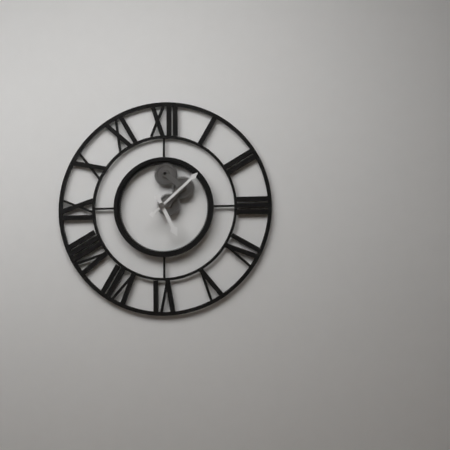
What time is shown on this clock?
5:08
